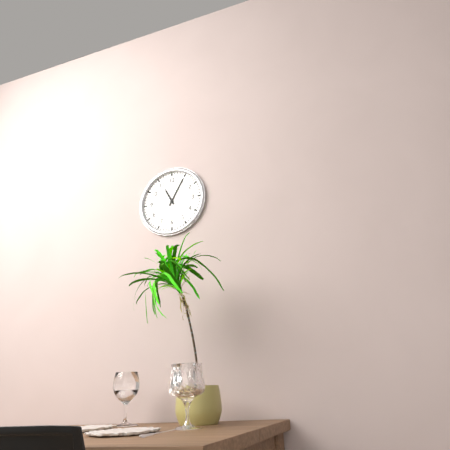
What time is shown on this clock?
11:05
